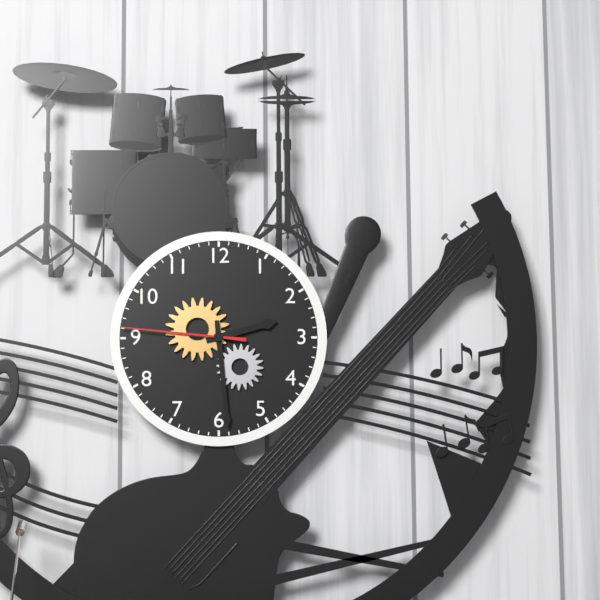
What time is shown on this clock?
2:29:46
